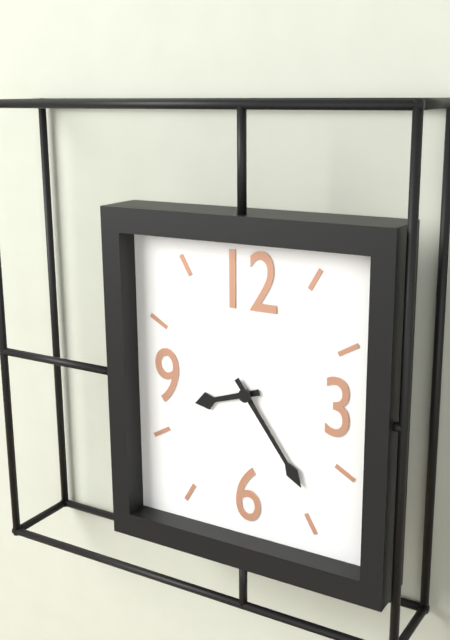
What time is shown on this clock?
8:24
